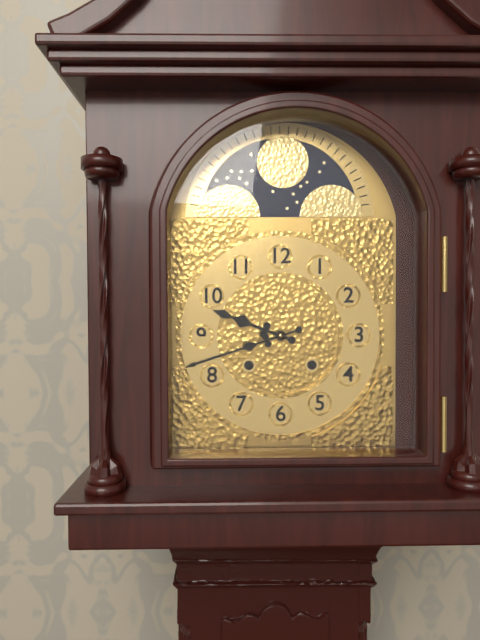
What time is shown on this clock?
9:42
